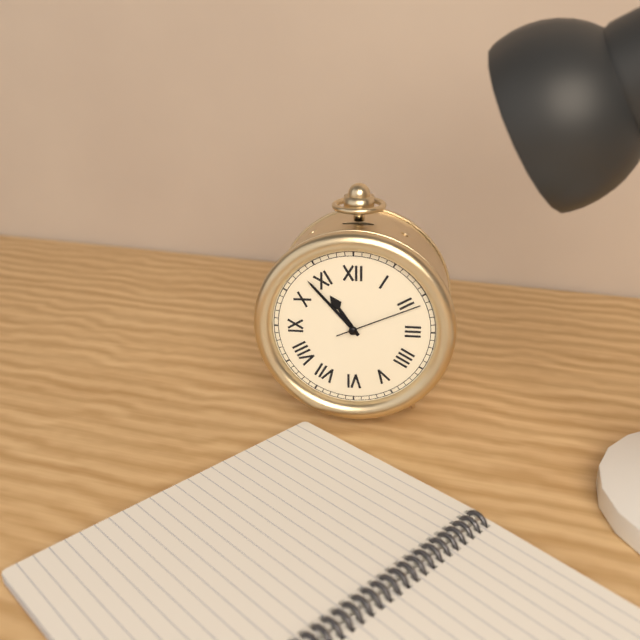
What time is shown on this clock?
10:53:11
